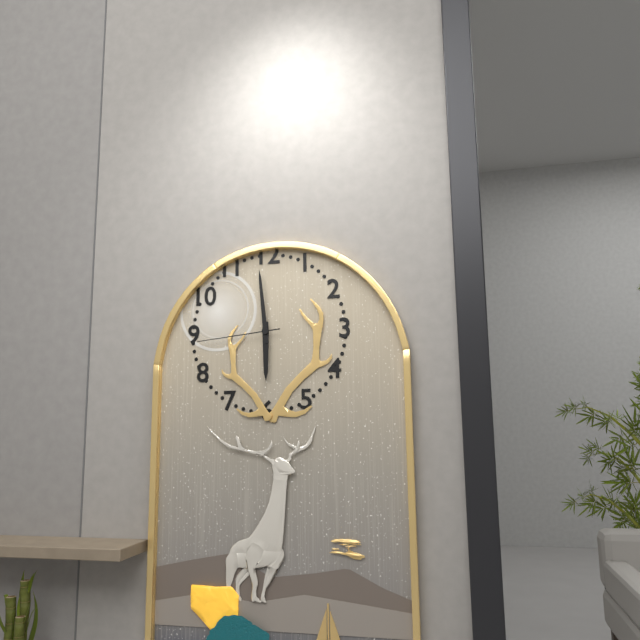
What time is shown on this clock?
5:59:44
